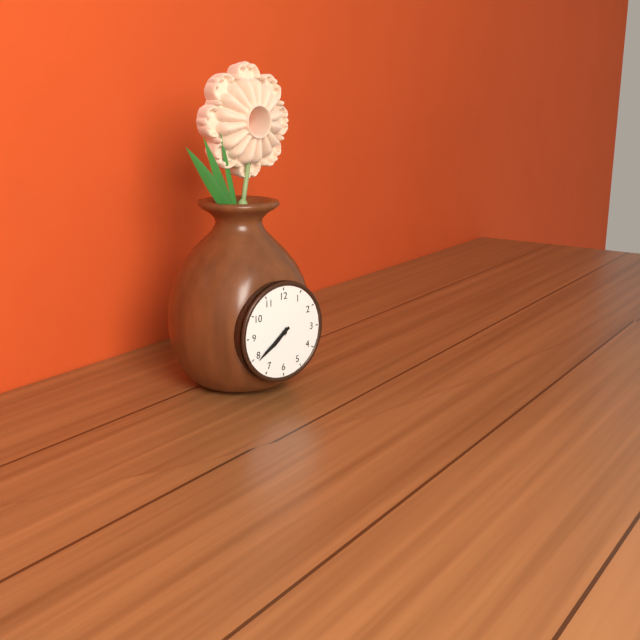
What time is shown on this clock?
7:39
